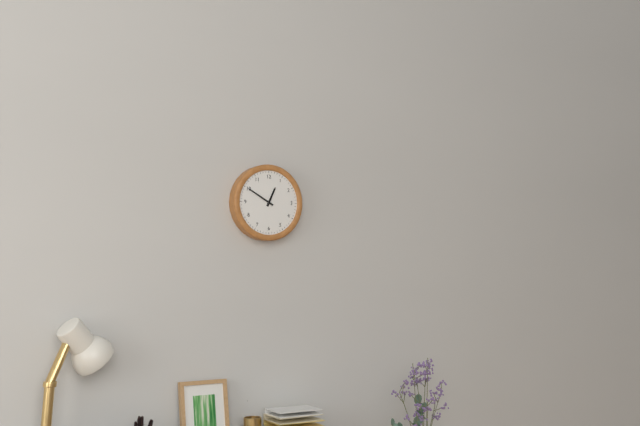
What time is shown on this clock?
12:50
